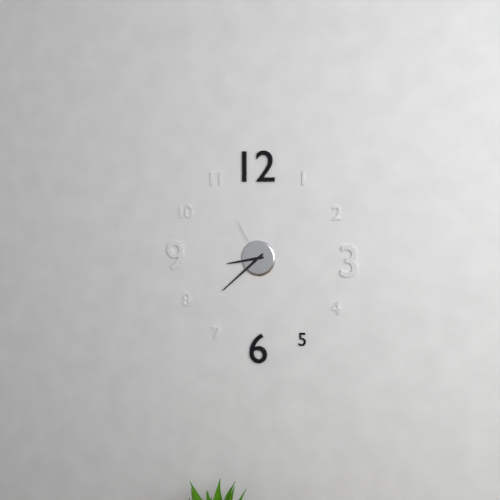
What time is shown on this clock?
8:38:55
